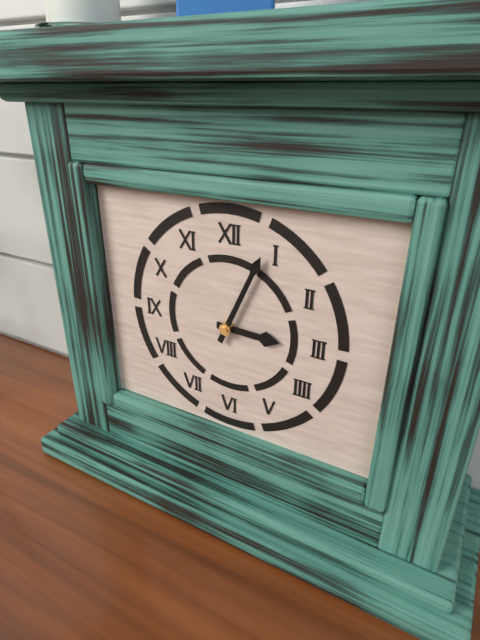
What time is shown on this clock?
3:04
